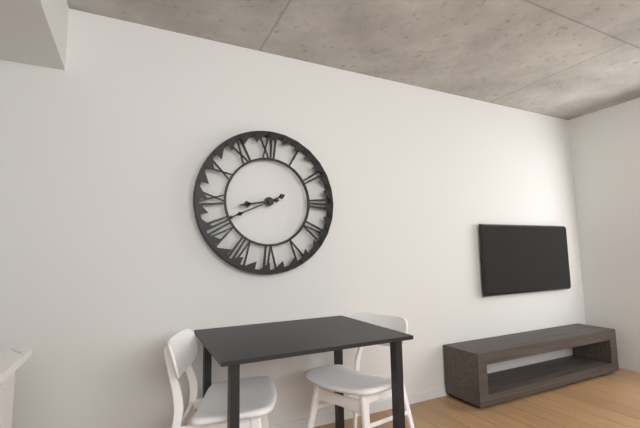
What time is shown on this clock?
8:41
